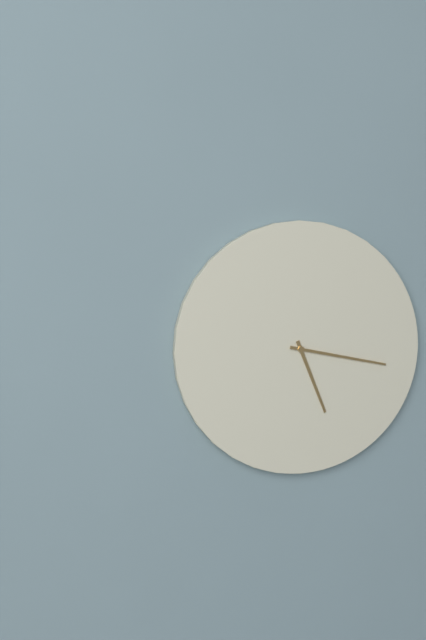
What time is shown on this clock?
5:17
